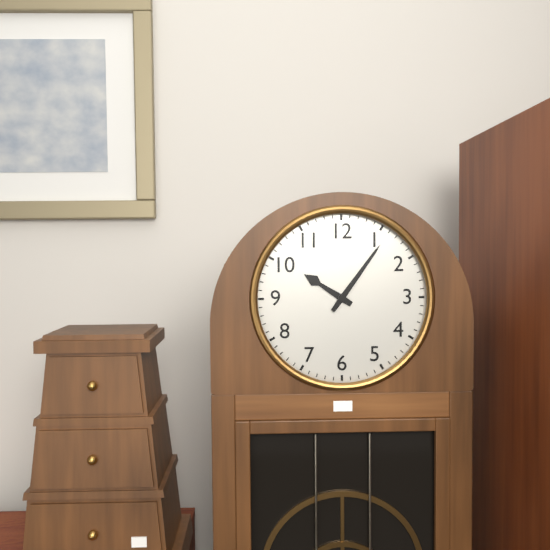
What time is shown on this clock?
10:06
